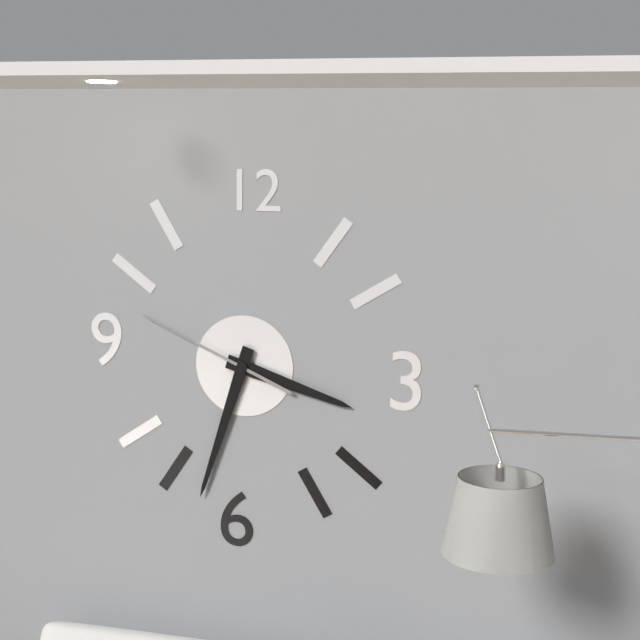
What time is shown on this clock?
3:33:49
